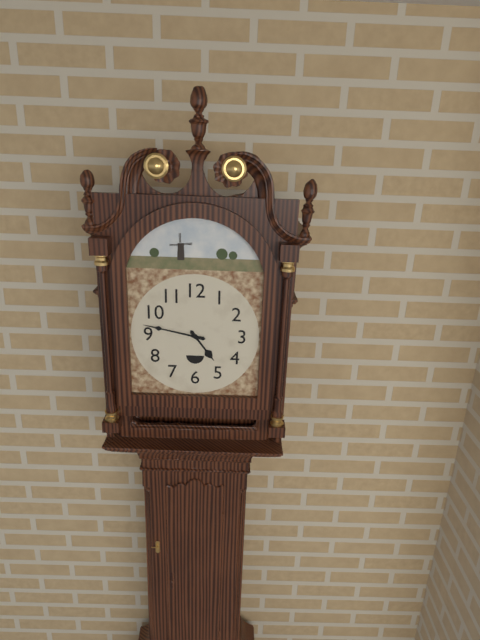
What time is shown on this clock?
4:47
